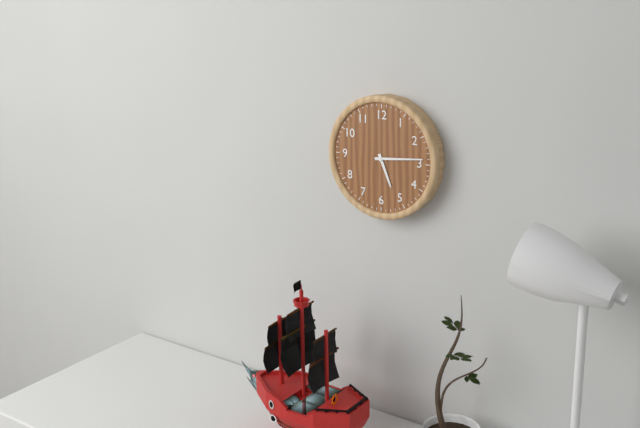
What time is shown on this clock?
5:14
